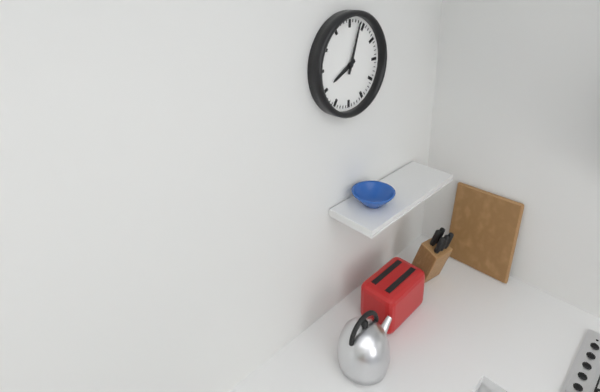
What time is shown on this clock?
8:03
